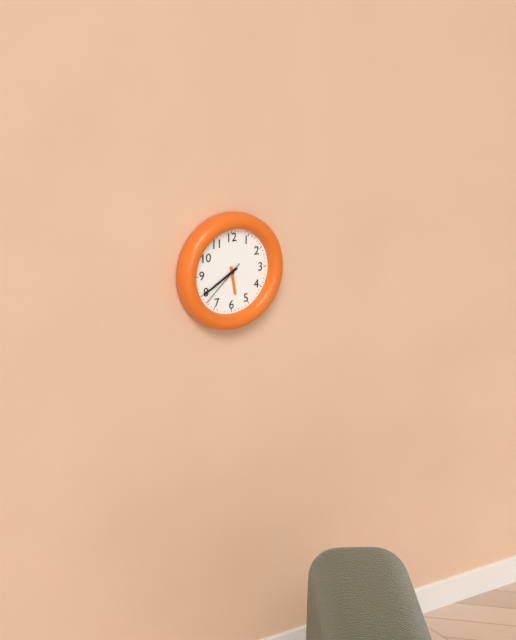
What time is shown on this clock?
5:40
